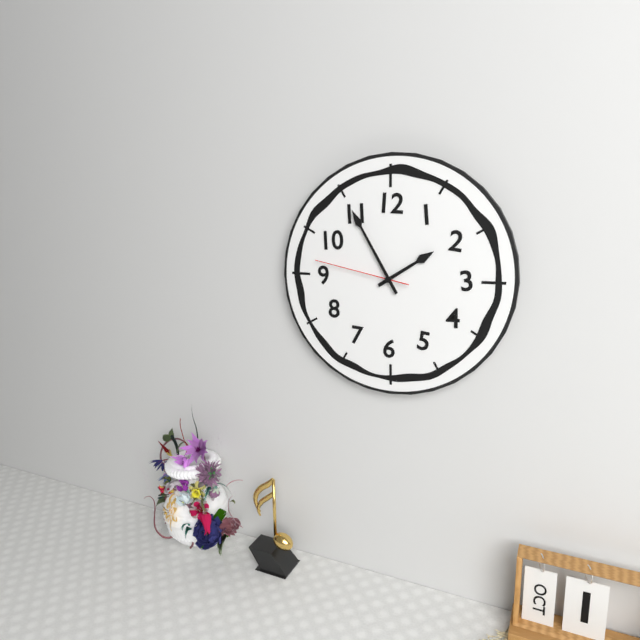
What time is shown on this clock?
1:55:47
